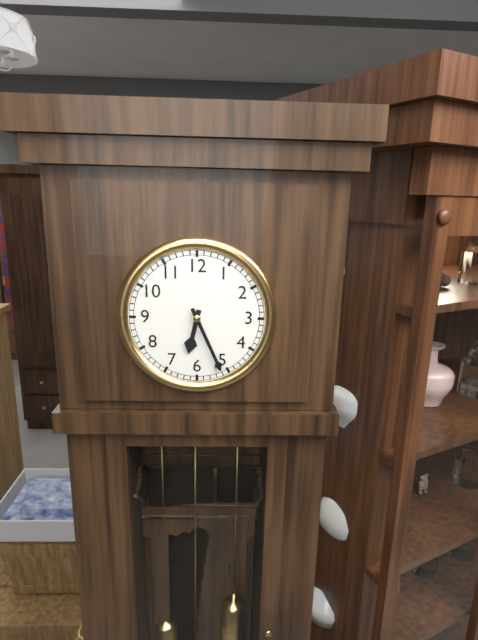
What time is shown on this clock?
6:26
